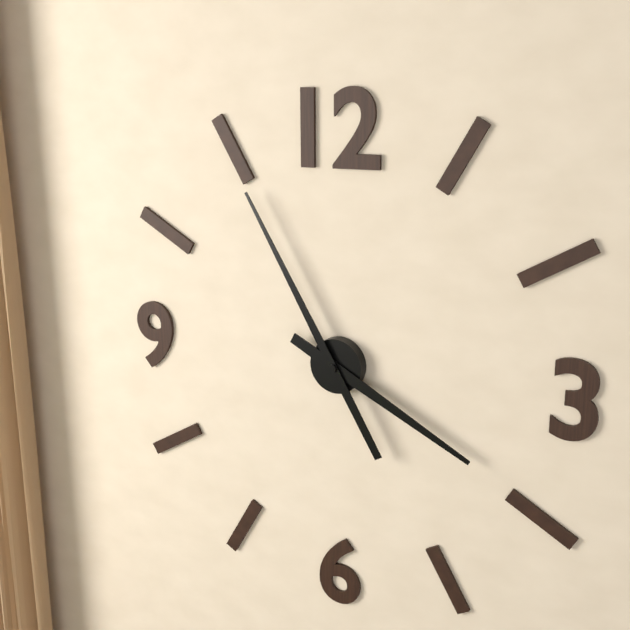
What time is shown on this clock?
3:55
